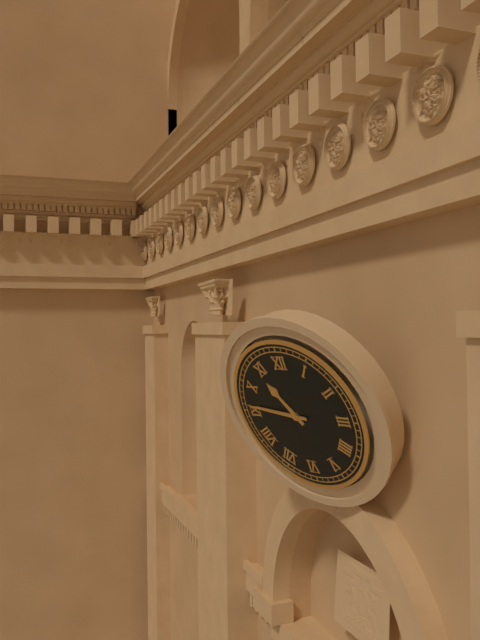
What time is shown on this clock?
10:46
